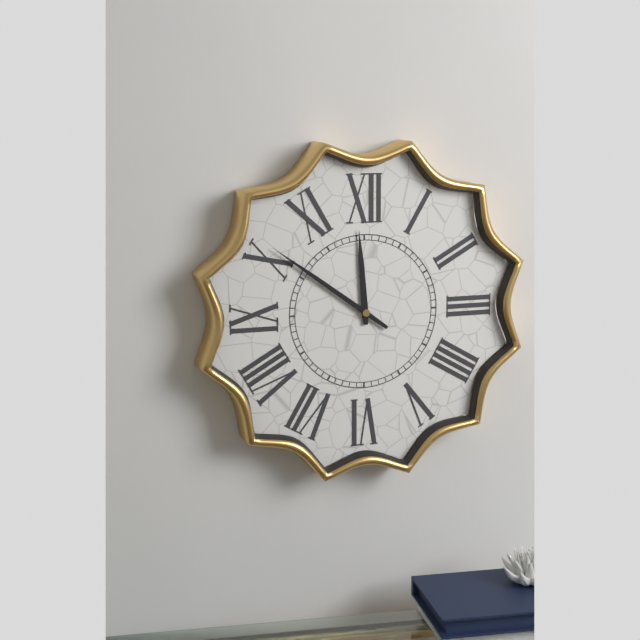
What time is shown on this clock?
11:51
